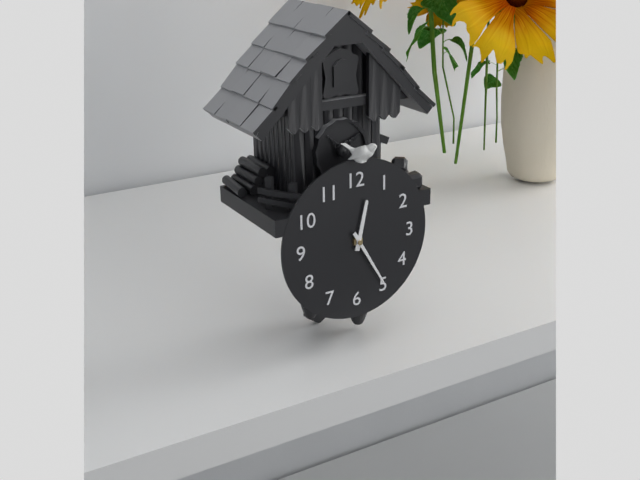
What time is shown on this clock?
12:25
